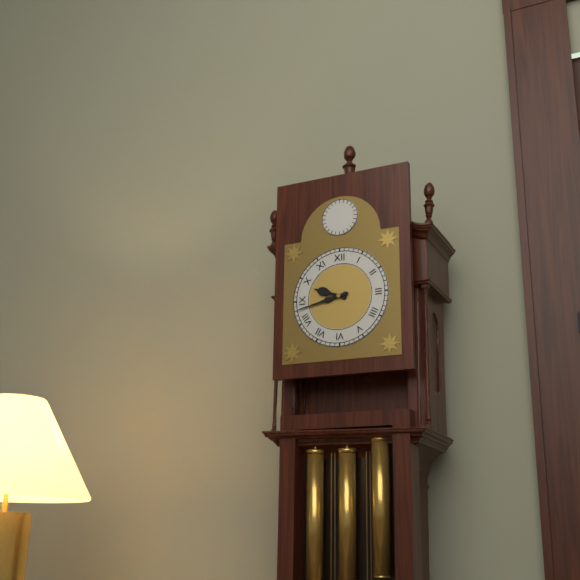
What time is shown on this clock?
9:43
